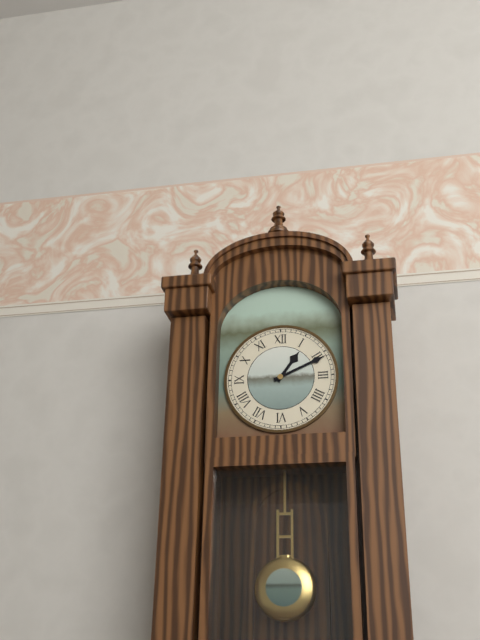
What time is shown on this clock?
1:11
